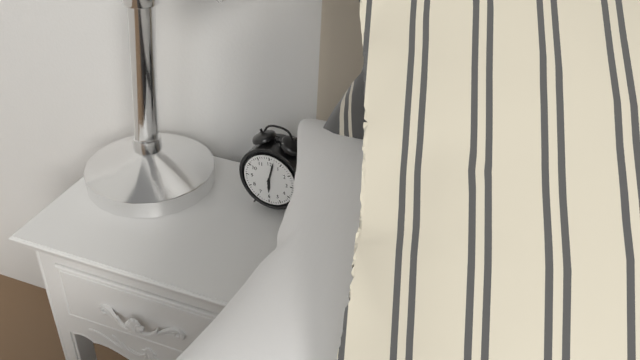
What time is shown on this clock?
6:02
